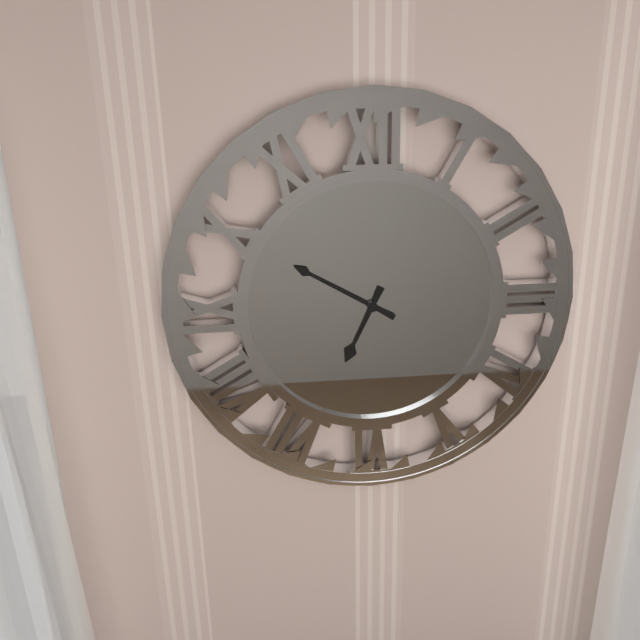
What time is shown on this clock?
6:50
